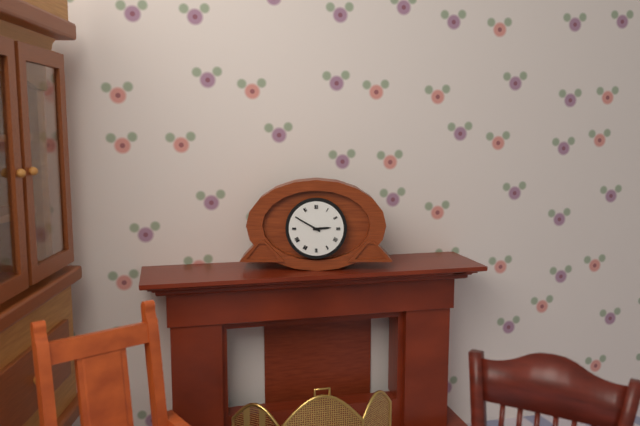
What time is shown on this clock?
2:50
